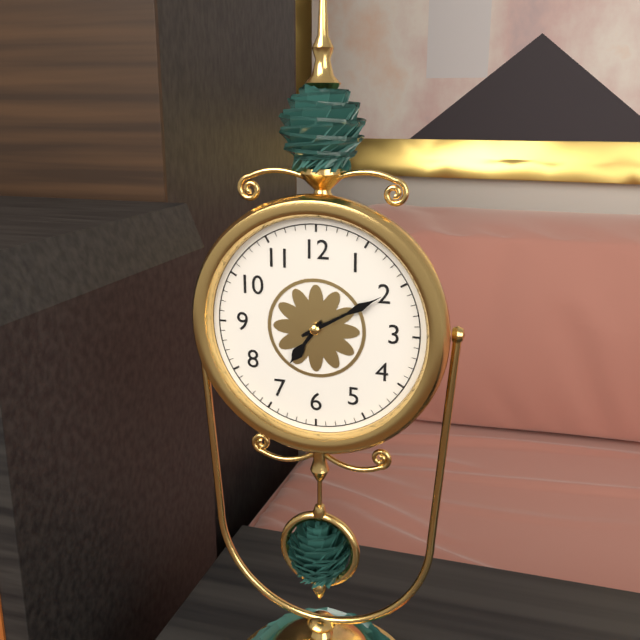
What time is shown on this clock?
7:10
